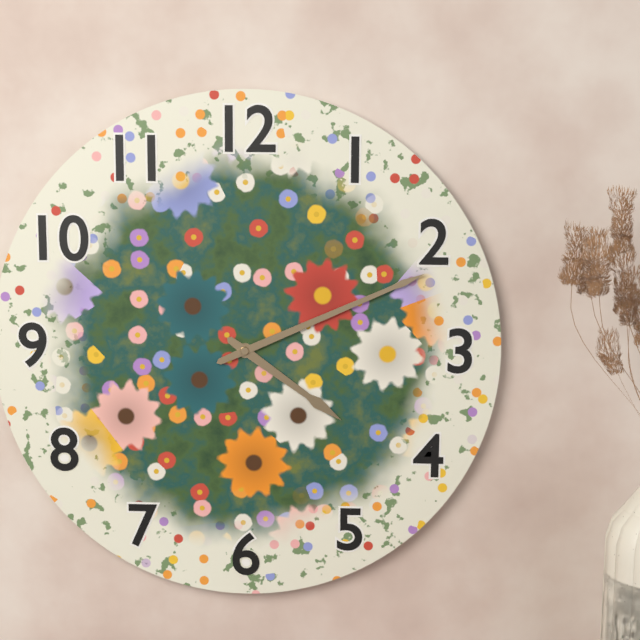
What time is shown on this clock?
4:11
